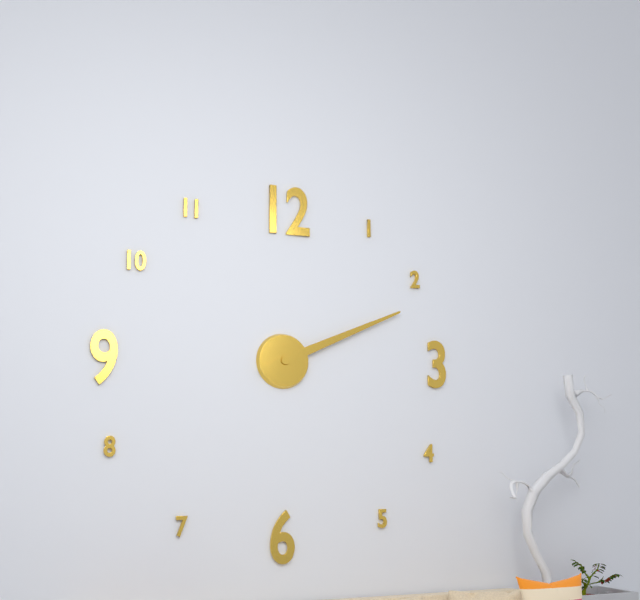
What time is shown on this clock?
2:11
